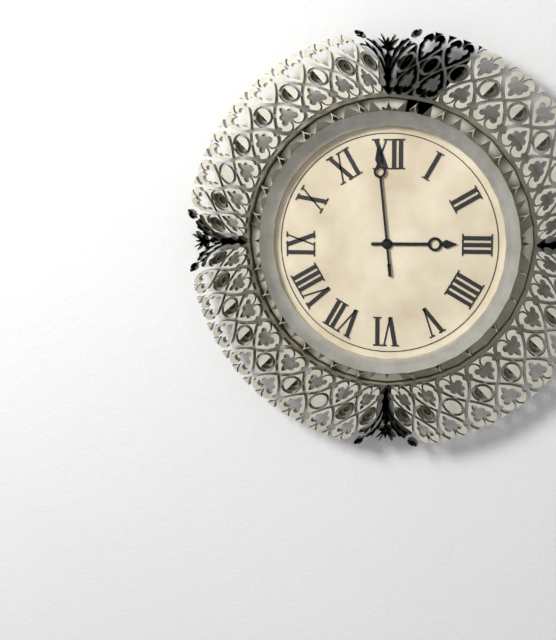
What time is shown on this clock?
2:59
